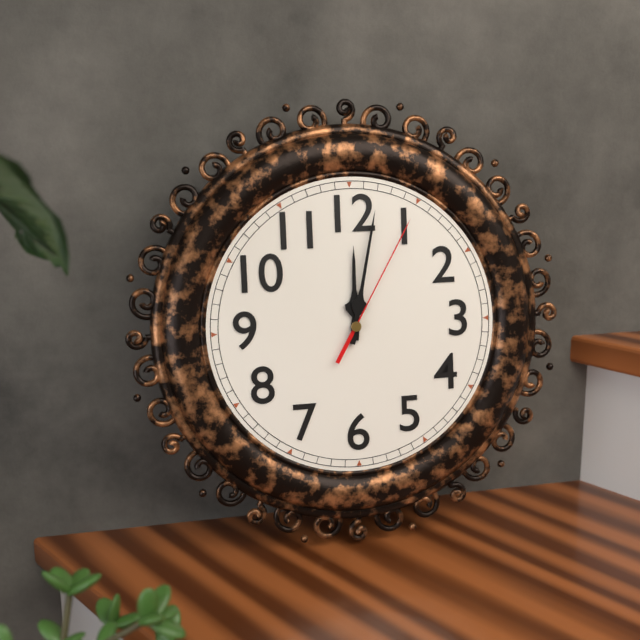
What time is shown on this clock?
12:02:05
